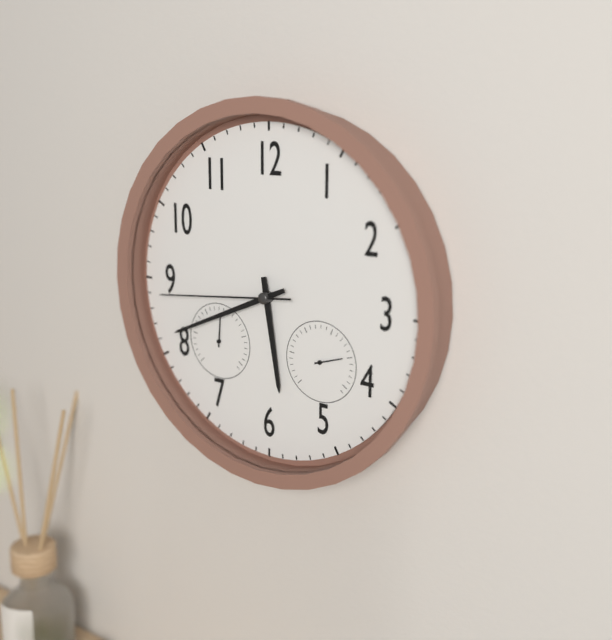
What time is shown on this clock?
5:41:44
